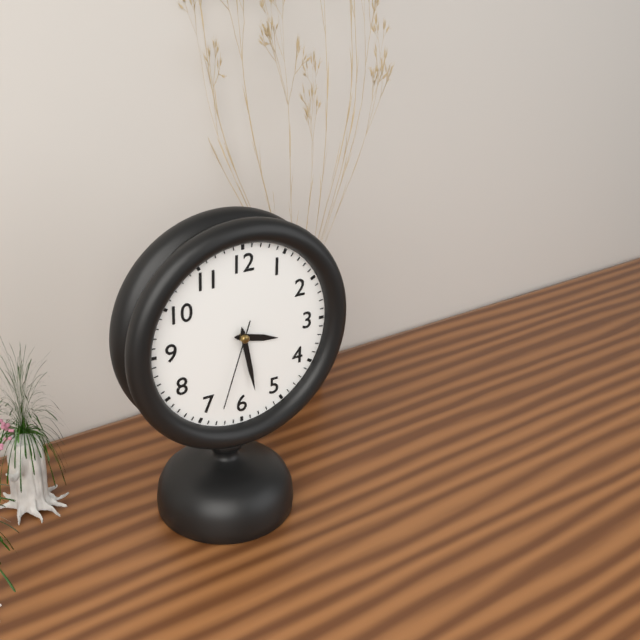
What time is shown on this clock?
3:28:33
